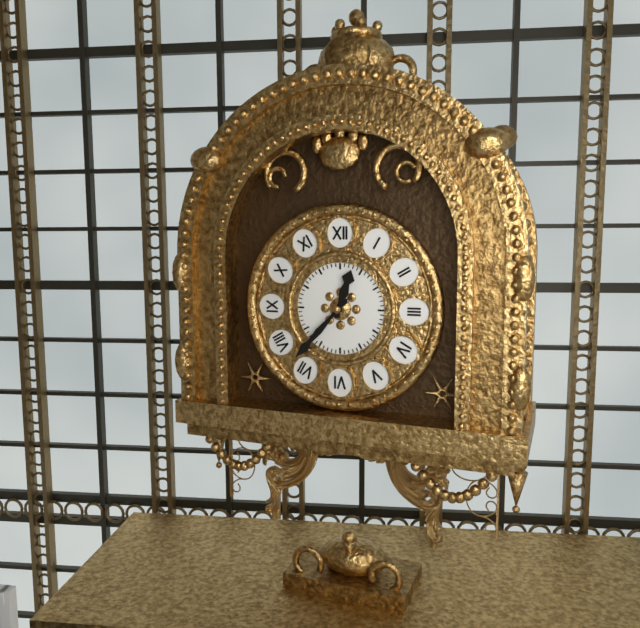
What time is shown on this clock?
12:37
